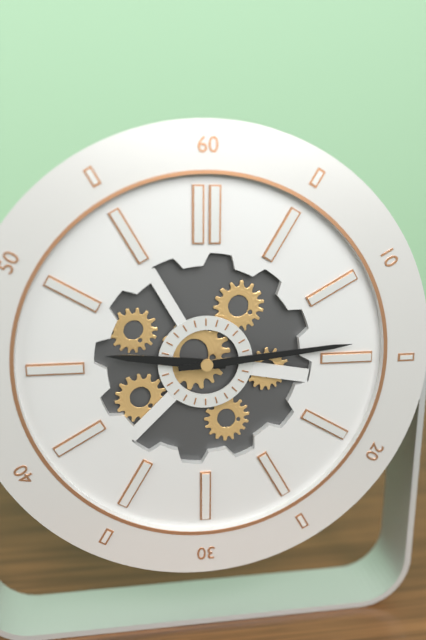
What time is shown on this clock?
9:14
